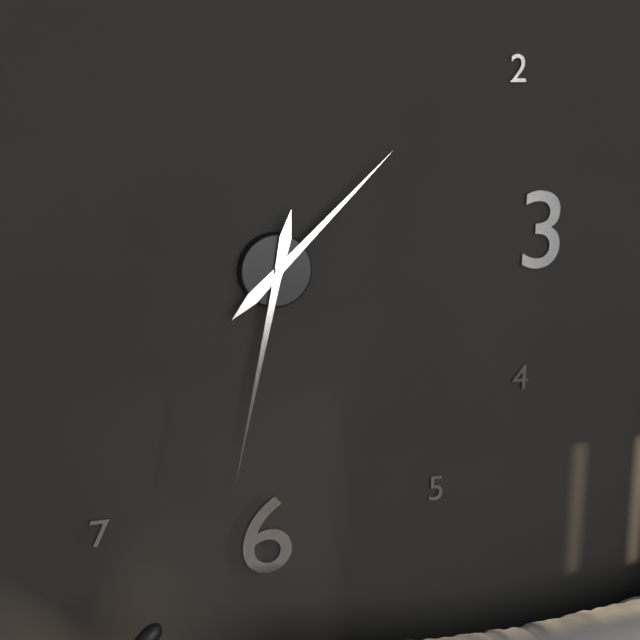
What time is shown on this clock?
1:32
